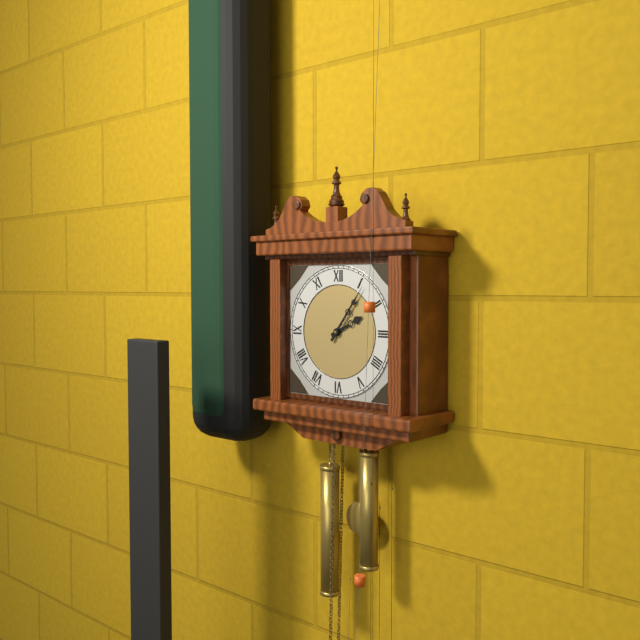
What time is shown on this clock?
2:06
